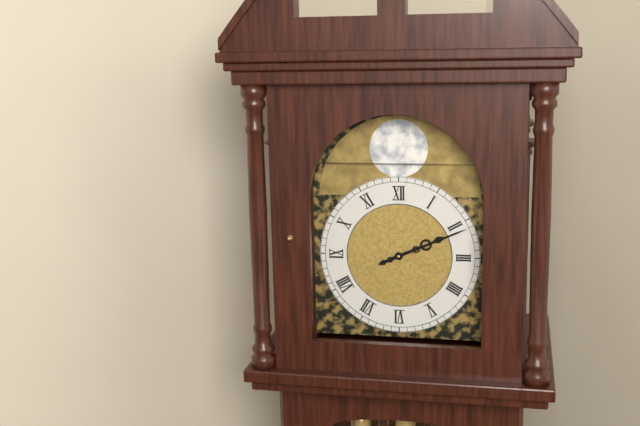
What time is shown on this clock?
2:11
